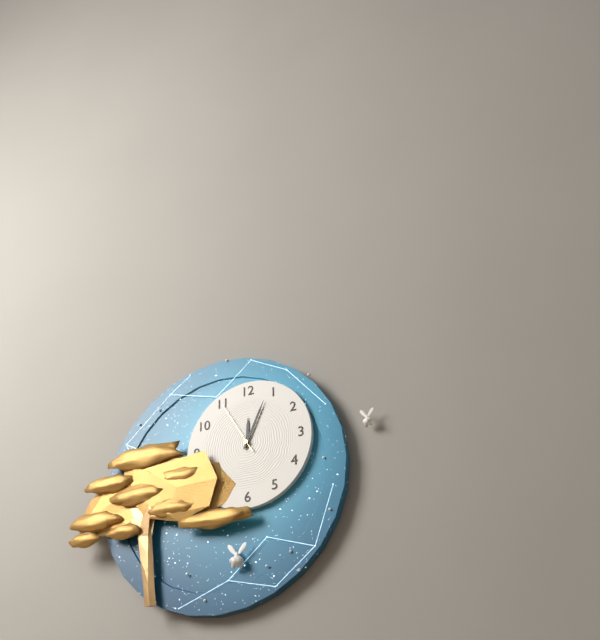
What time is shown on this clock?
12:04:55
